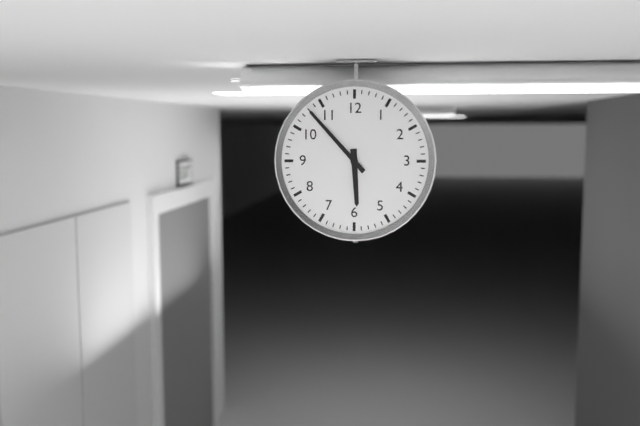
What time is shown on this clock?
5:53
